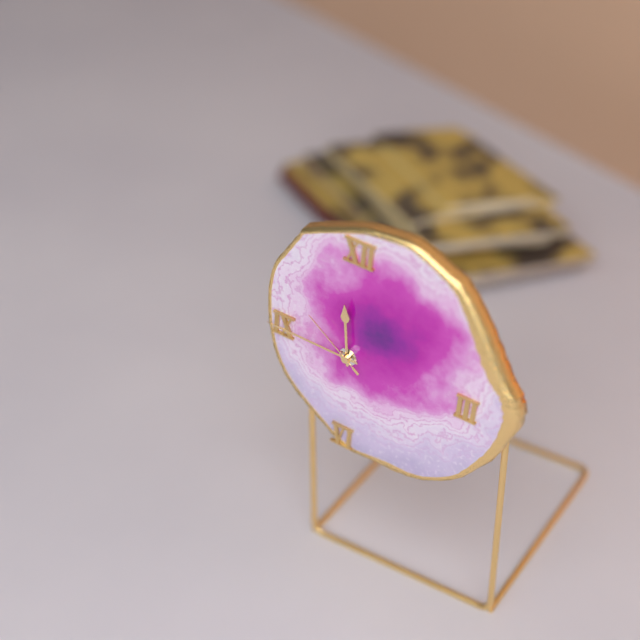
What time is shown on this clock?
11:45:51
